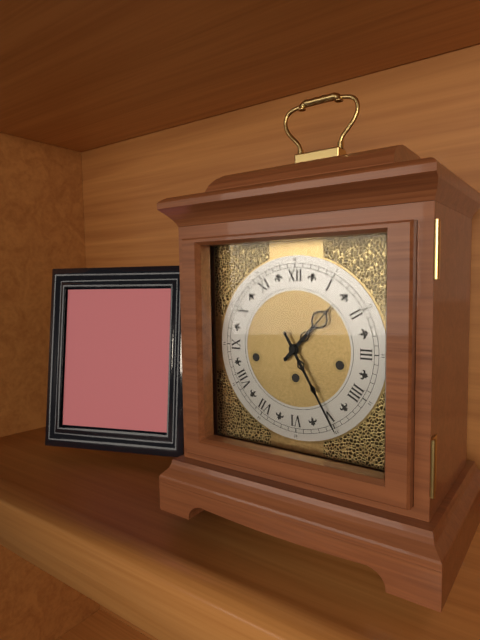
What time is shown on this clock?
1:25
